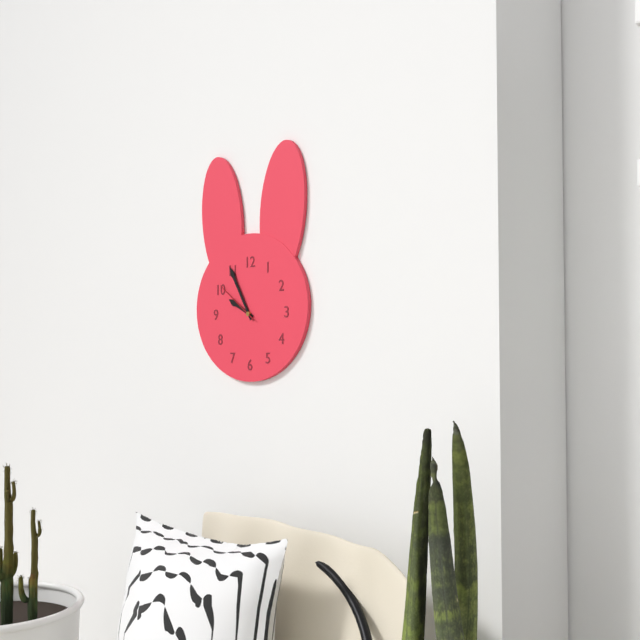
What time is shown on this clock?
9:55:51
